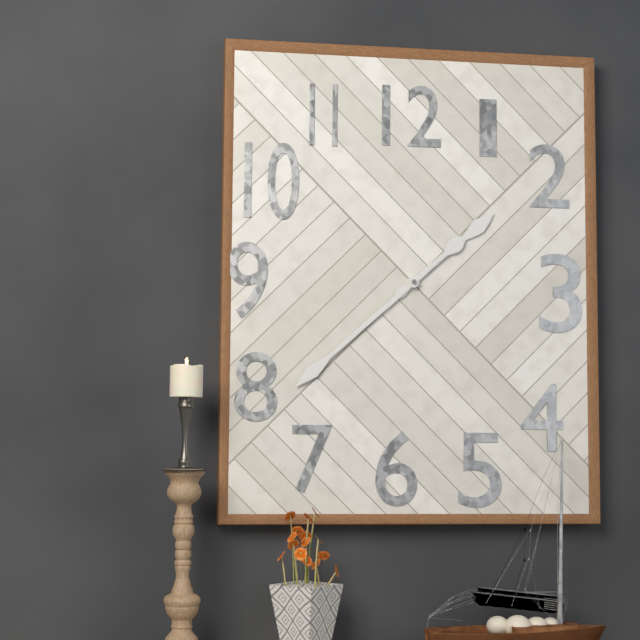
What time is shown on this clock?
1:38
